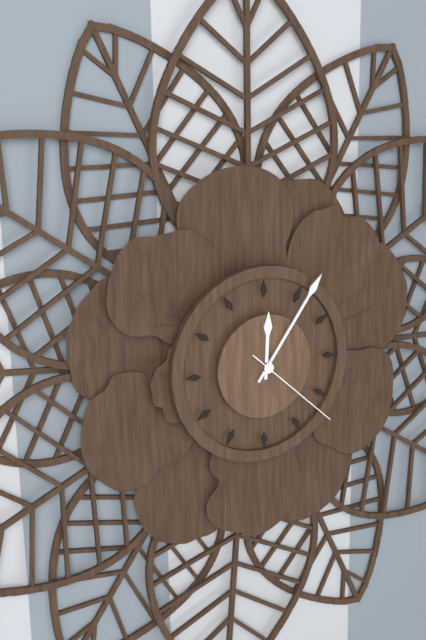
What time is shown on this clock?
12:06:22
